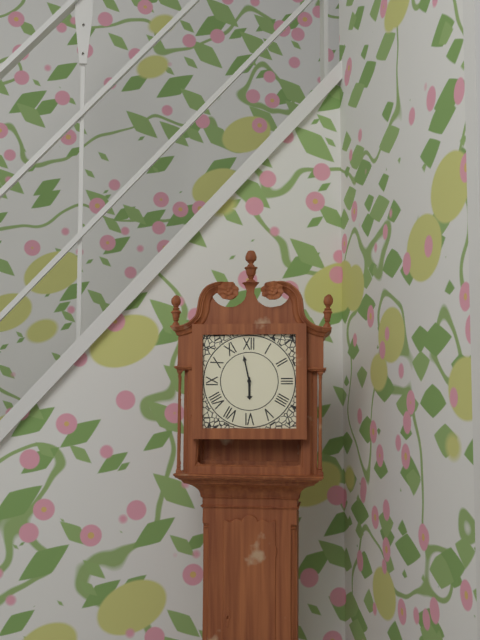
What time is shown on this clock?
5:58
